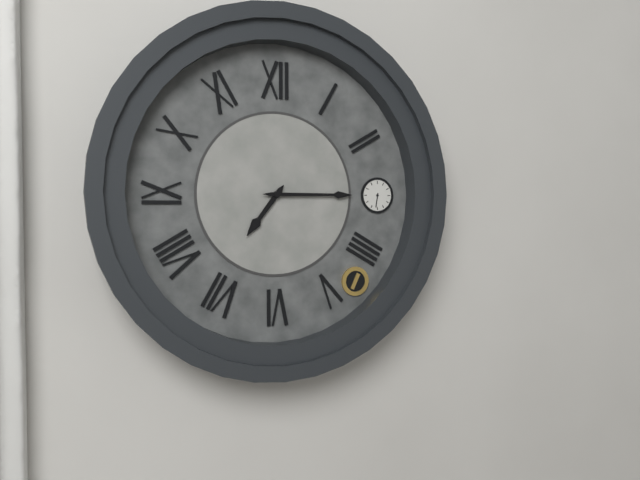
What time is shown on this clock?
7:15
